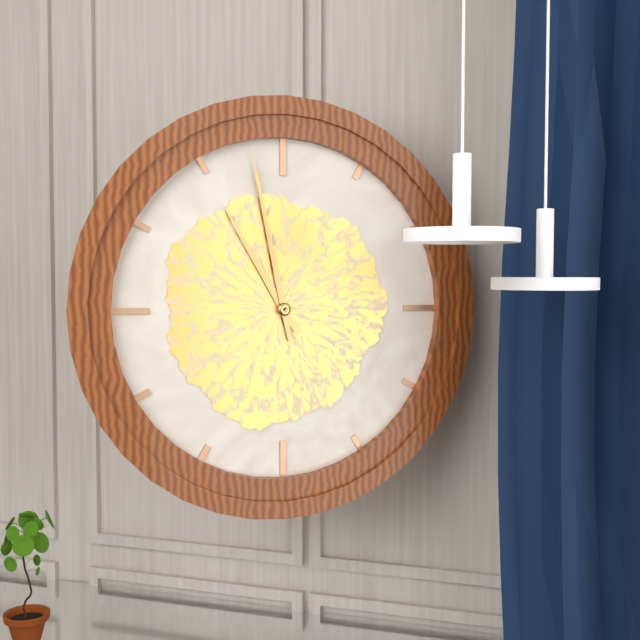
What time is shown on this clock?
10:58
